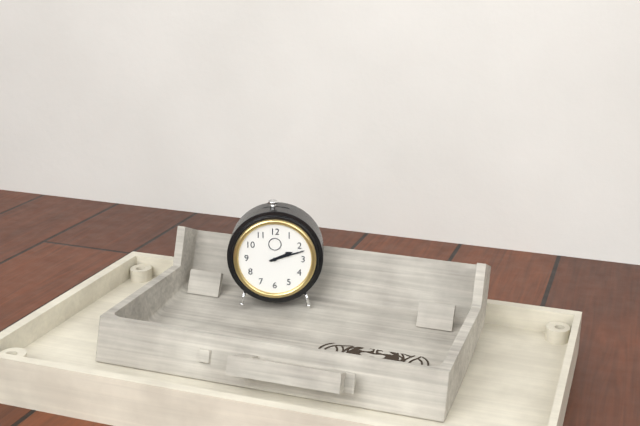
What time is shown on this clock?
2:12
